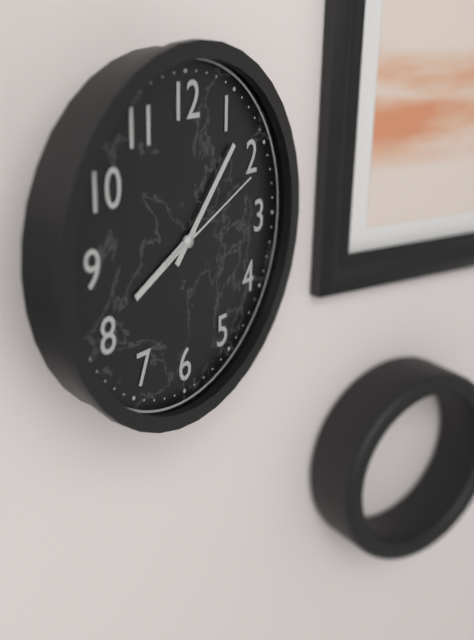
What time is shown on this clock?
8:07:11
